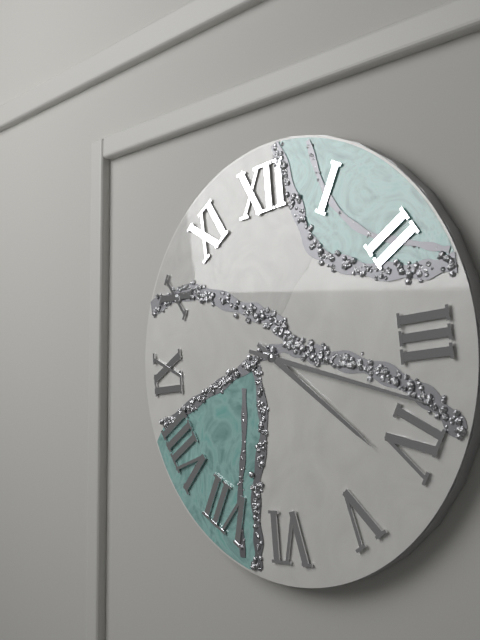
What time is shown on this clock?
4:18
